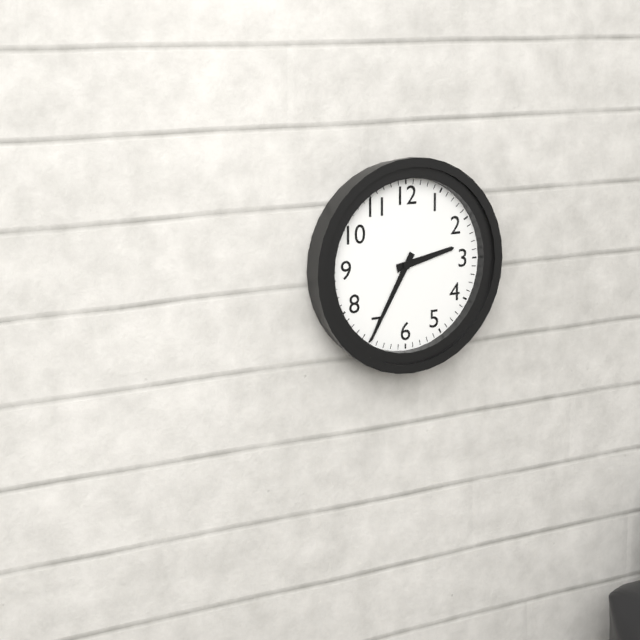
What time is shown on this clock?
2:35
